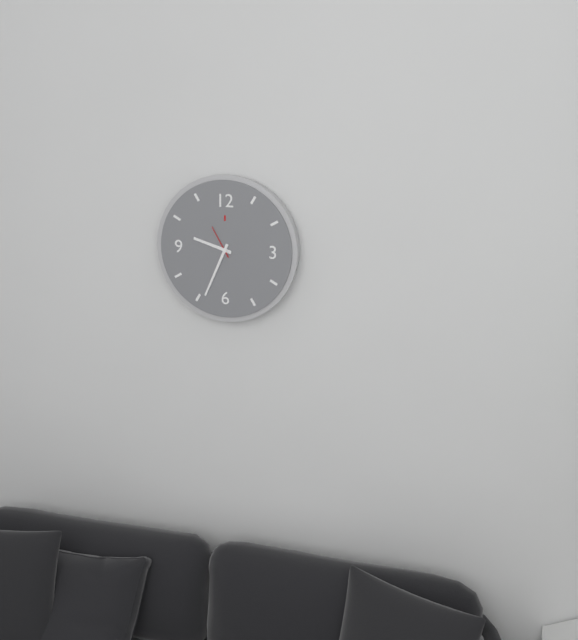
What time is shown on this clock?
9:34
